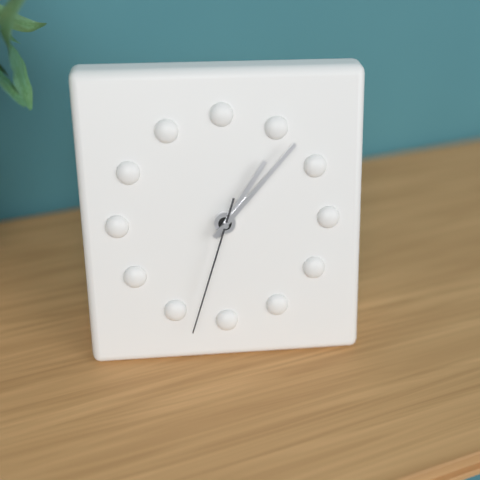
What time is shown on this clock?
1:07:33
